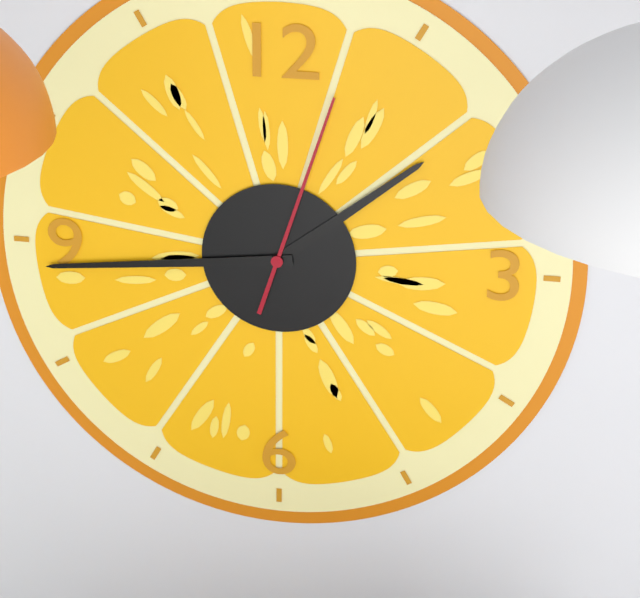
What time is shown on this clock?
1:44:03
